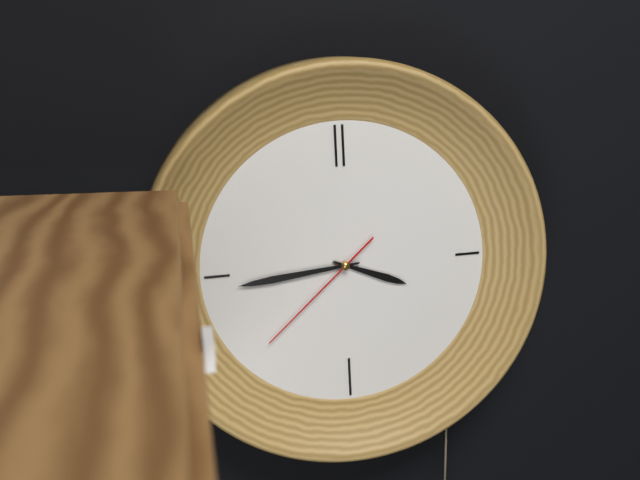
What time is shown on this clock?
3:44:38
